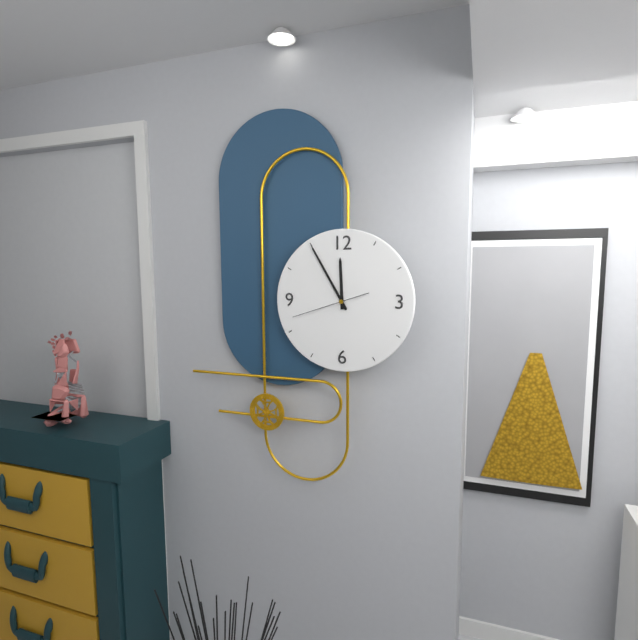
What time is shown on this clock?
11:55:42
